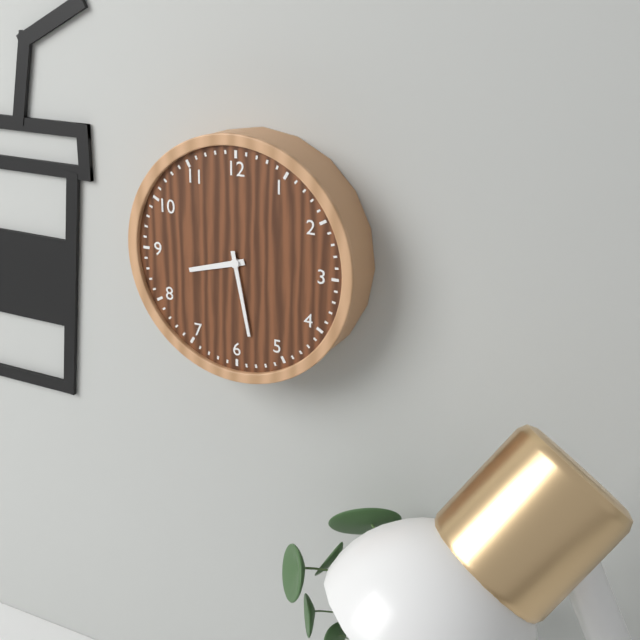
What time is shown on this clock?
8:28
